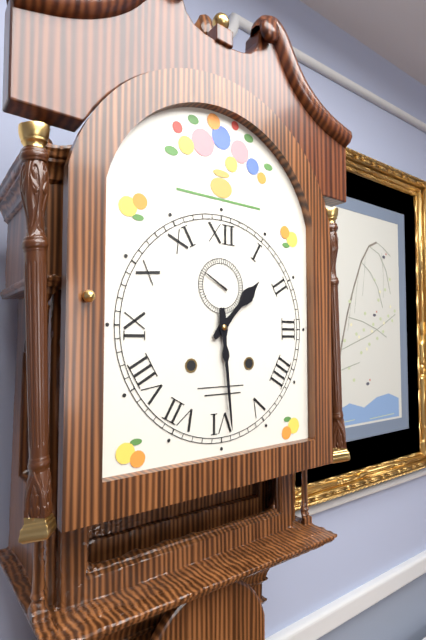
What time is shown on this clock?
1:29
